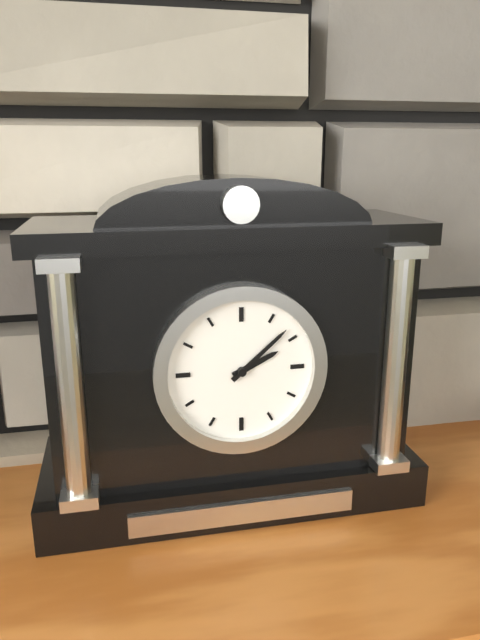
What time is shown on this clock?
2:08
